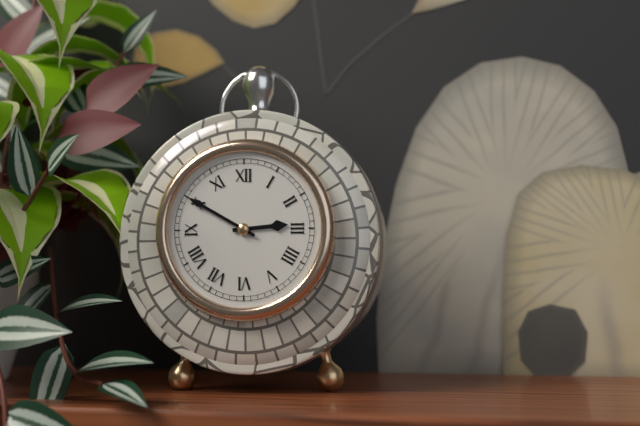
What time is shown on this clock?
2:50
